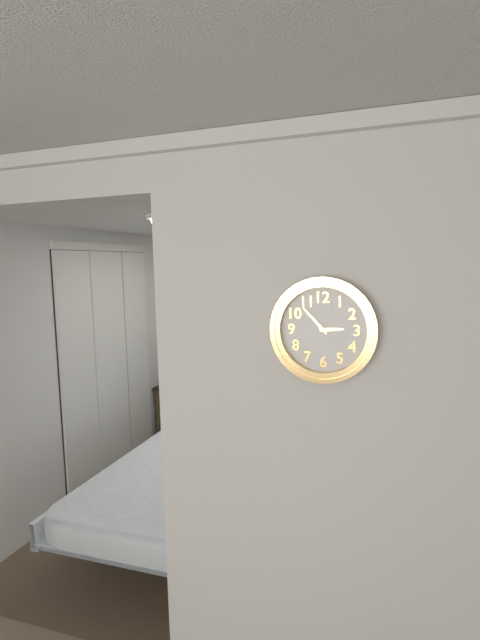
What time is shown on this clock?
2:53
